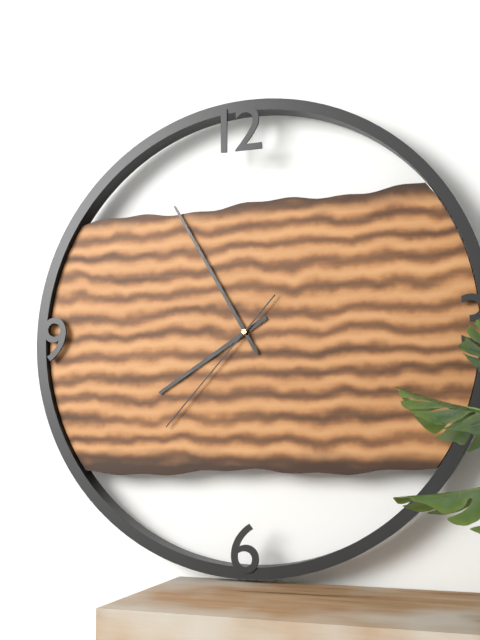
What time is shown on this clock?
7:55:37
